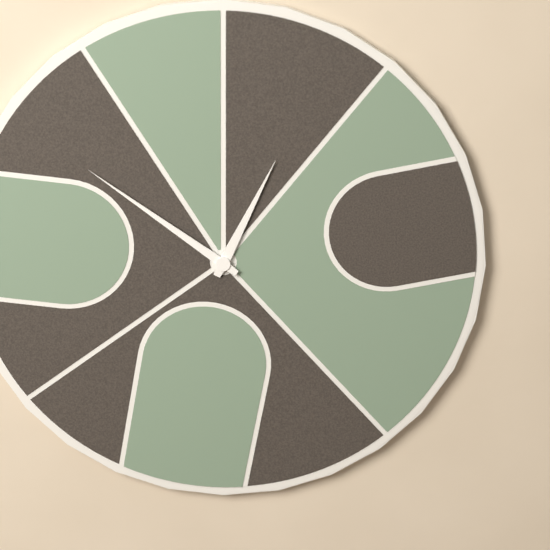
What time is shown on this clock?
12:51
